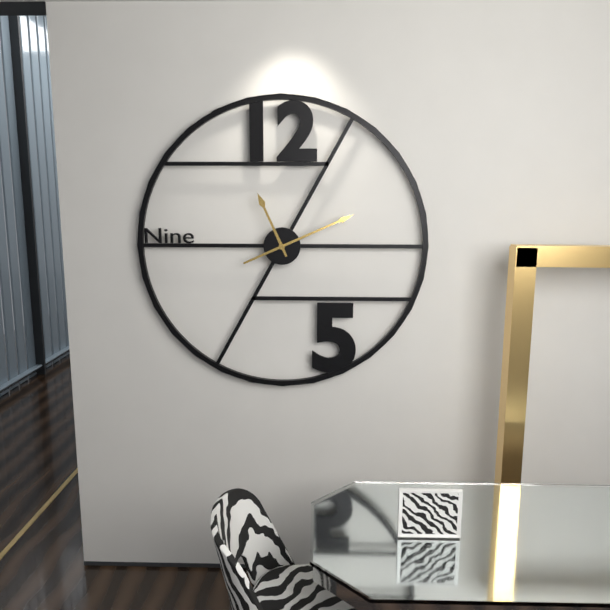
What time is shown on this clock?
11:11
